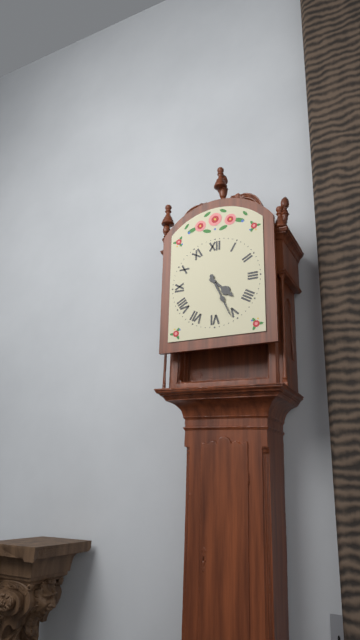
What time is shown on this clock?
4:26
